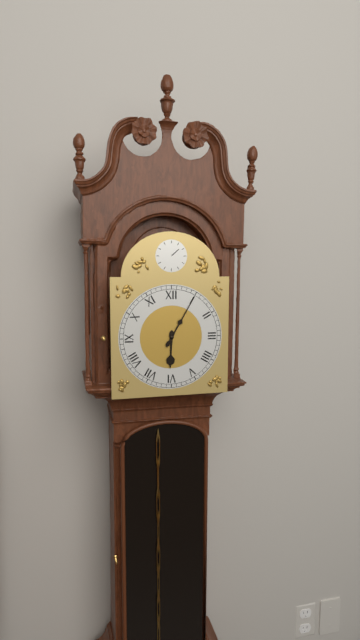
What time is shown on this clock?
6:05
